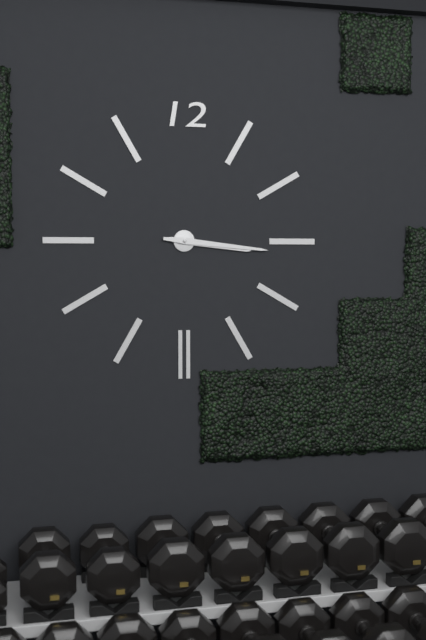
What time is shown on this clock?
3:16
